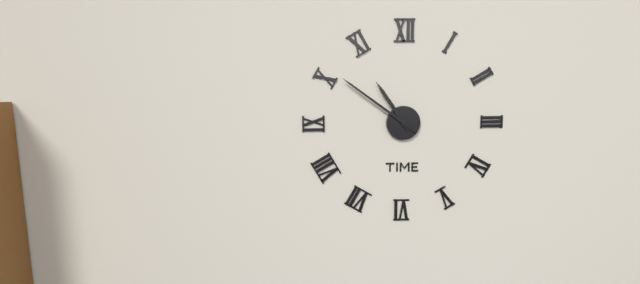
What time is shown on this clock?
10:51
